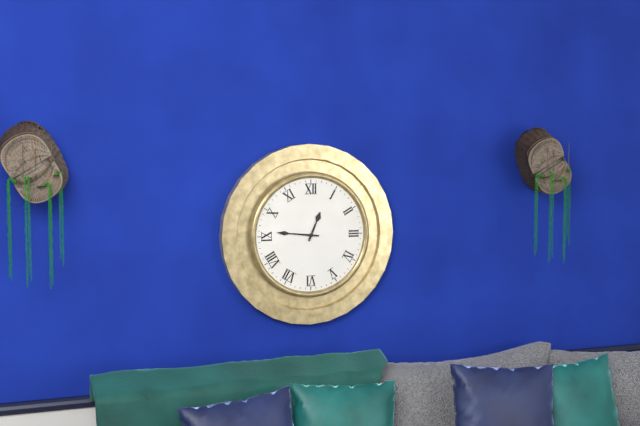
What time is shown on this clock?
12:46
